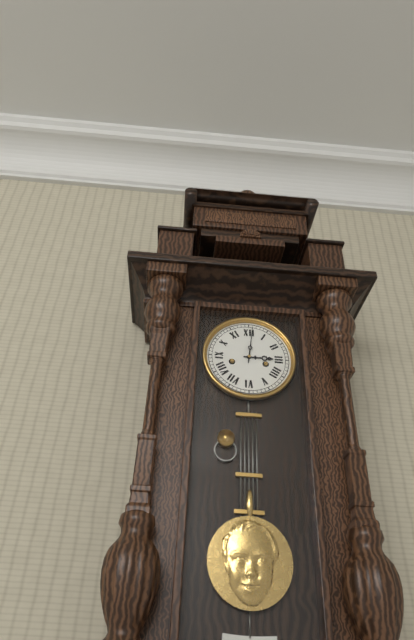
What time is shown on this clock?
3:01
